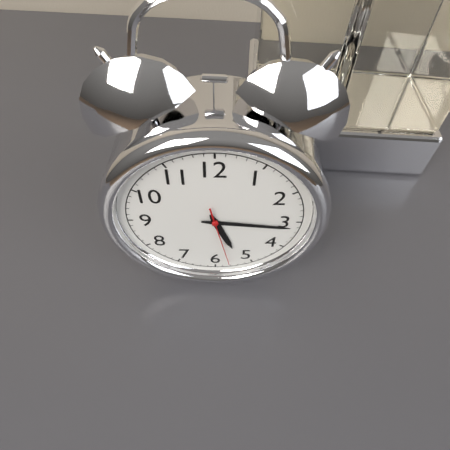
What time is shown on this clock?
5:16:28
